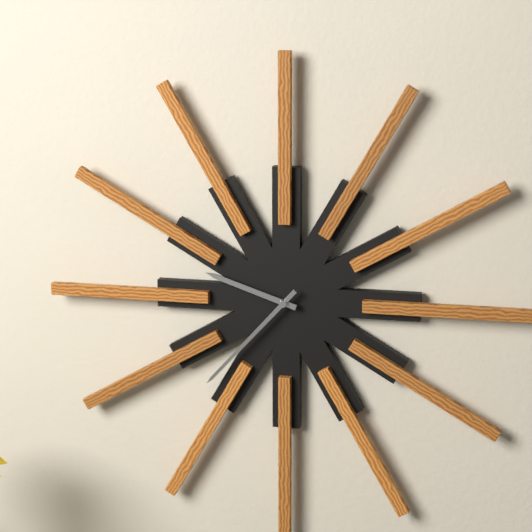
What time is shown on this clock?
9:37
